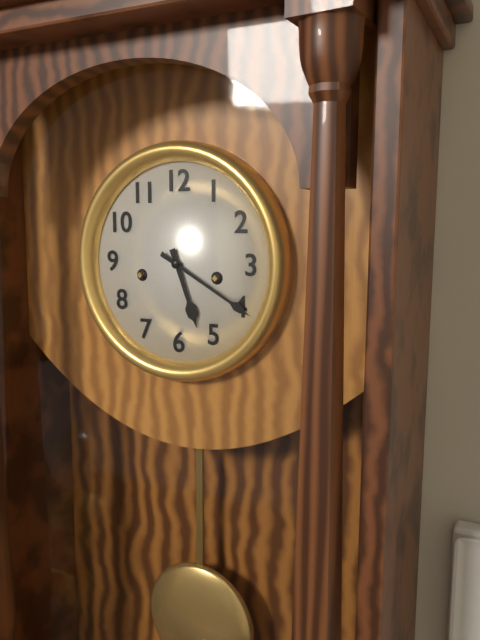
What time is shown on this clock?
5:20
